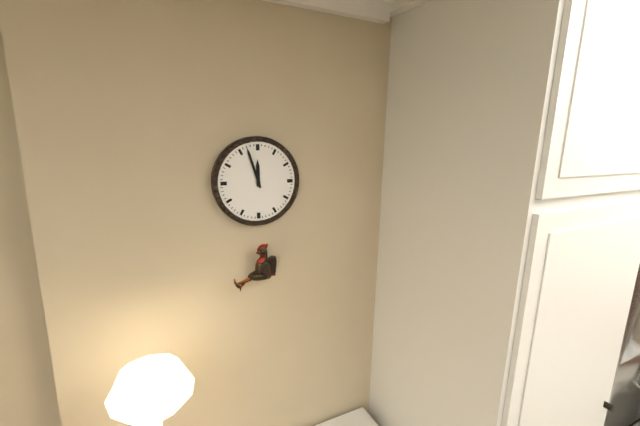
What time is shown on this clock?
11:57
